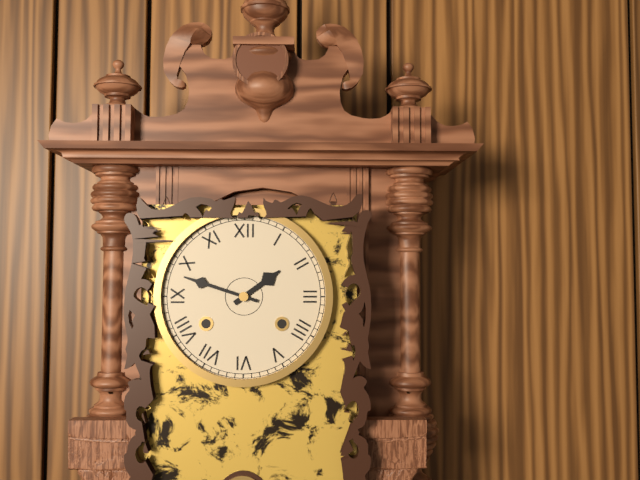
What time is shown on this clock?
1:48
